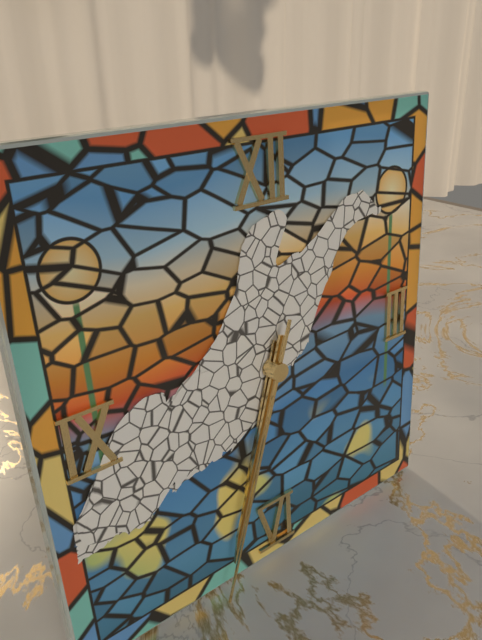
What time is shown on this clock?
6:33:33
